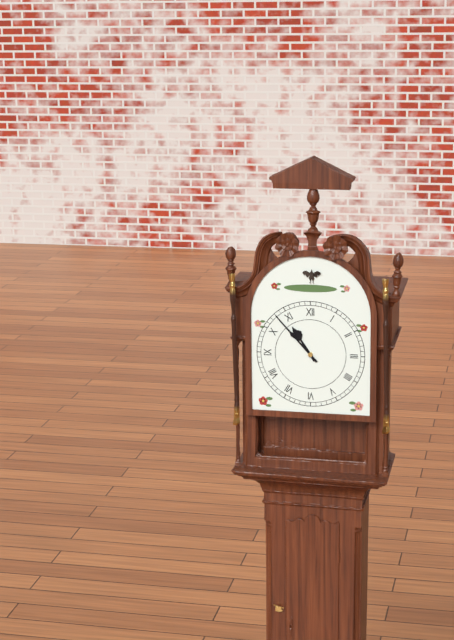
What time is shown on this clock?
10:53
